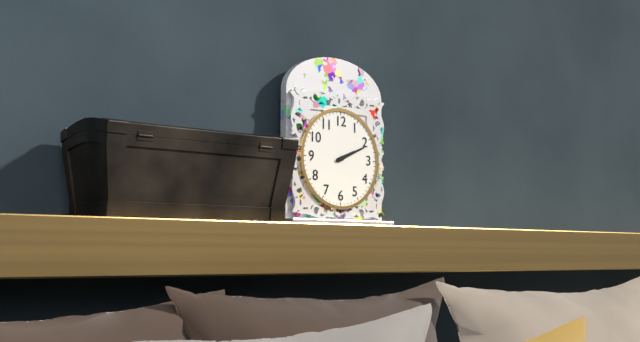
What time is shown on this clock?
2:11
